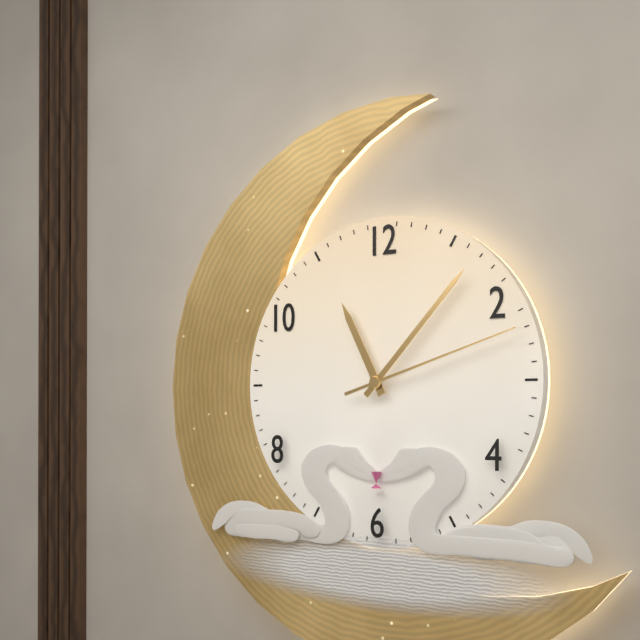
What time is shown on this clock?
11:07:12
